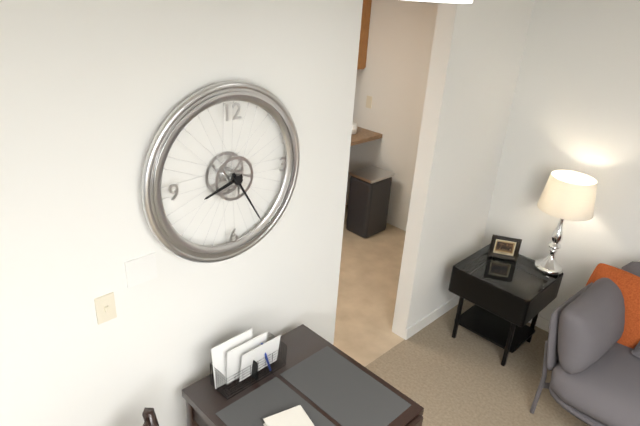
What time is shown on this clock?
8:25
